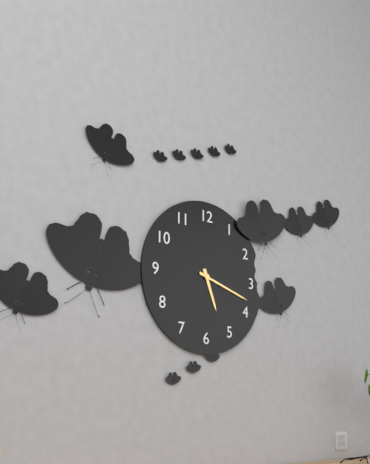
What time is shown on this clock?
5:18
